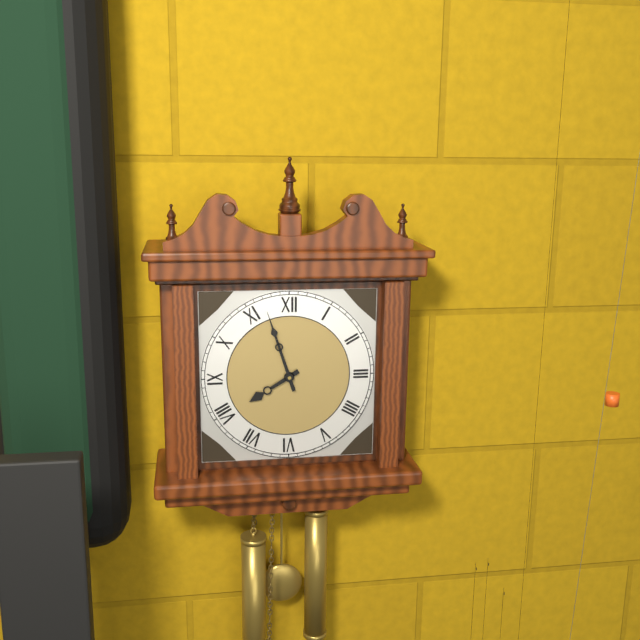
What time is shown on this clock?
7:57
